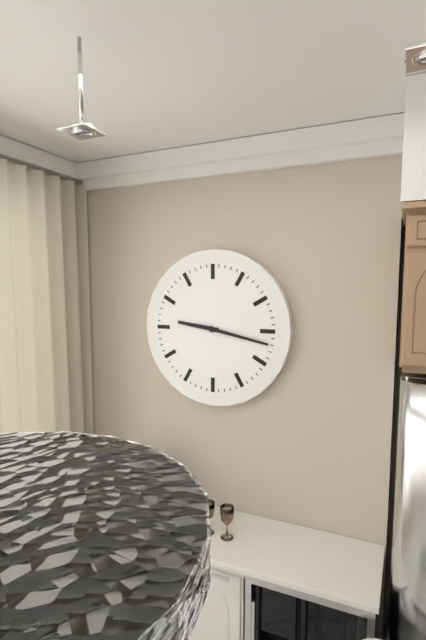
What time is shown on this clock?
9:17
